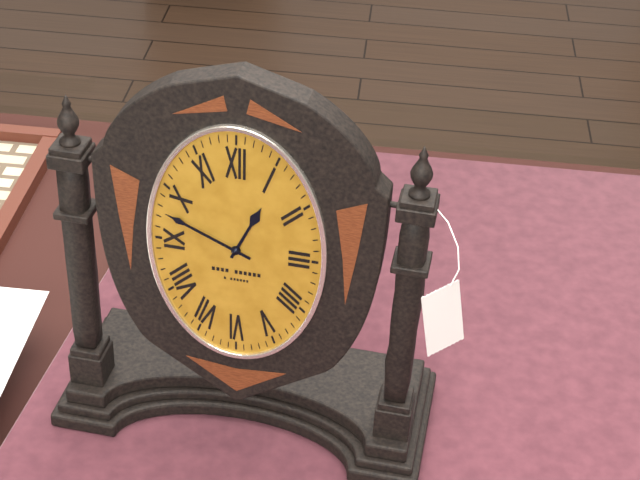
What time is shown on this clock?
12:49
